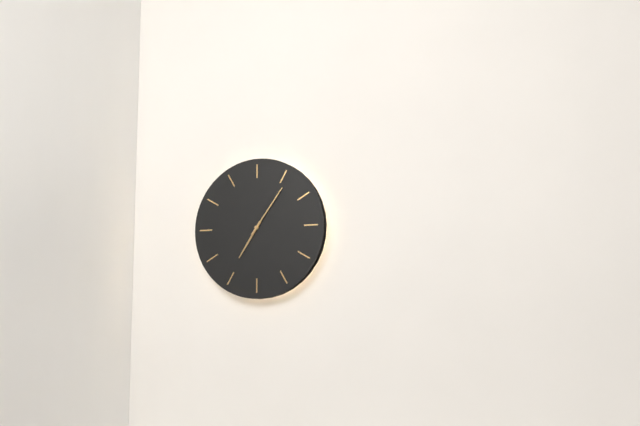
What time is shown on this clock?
7:06
